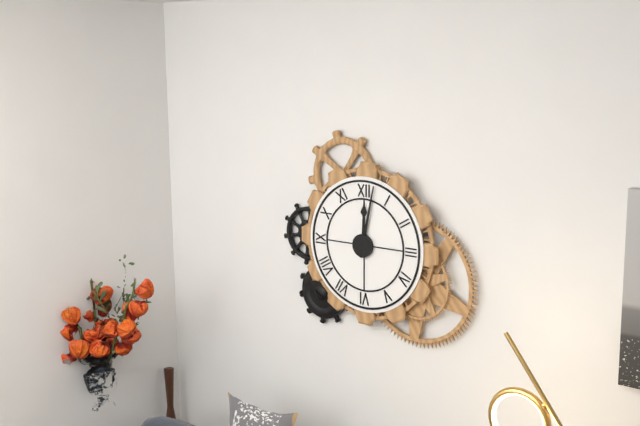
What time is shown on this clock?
12:02
